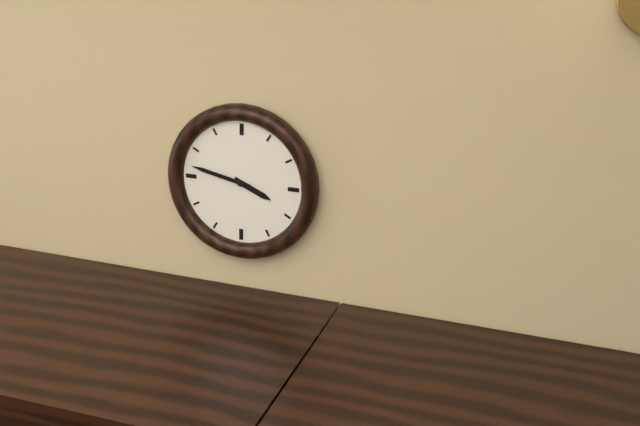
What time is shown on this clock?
3:47
